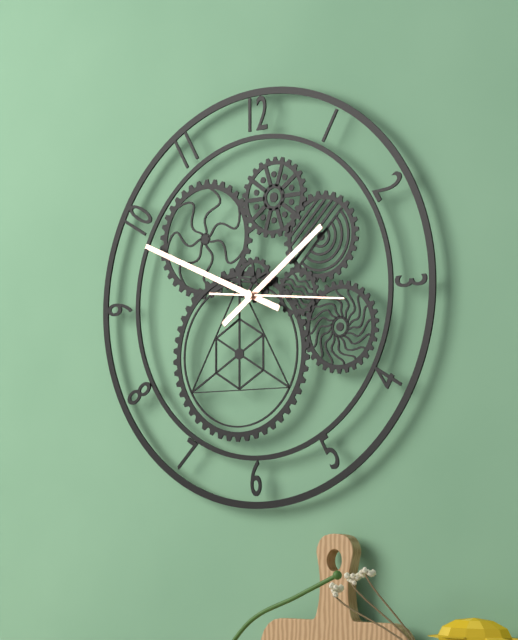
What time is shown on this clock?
1:49:16
